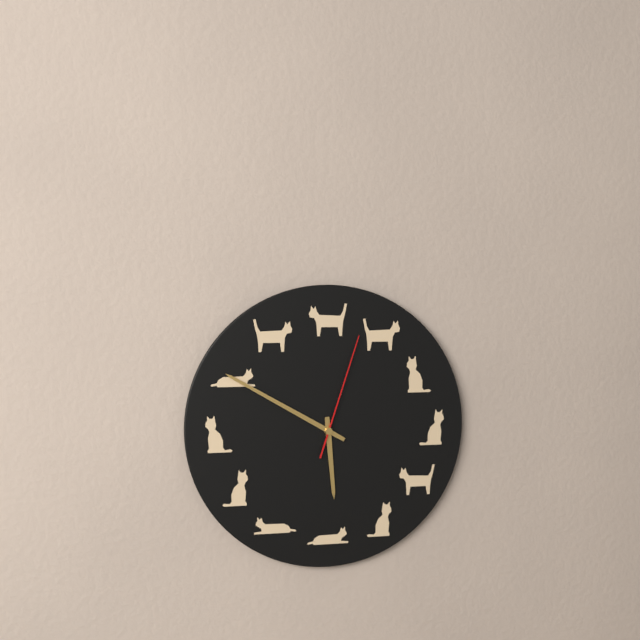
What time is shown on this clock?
5:50:03
